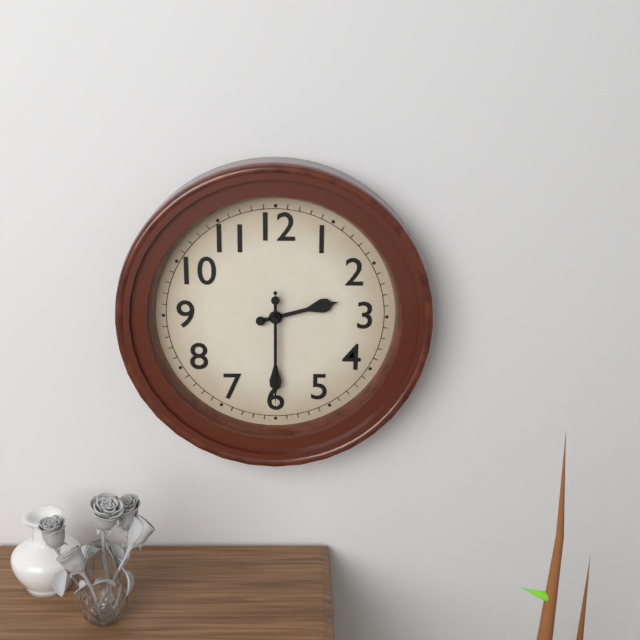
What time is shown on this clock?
2:30:30
